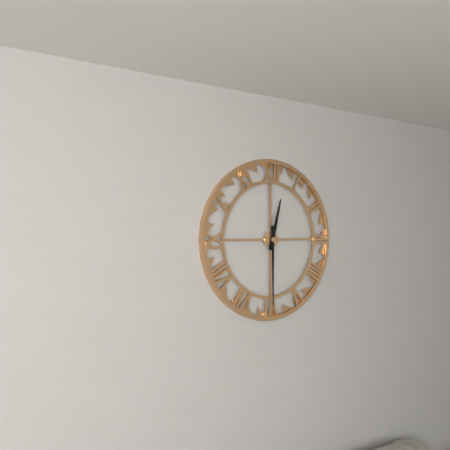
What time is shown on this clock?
12:30
